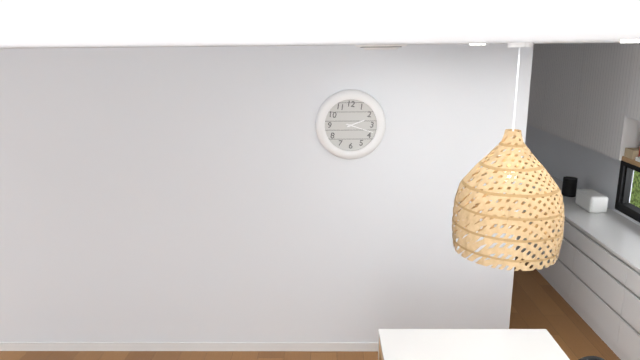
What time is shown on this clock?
2:18
